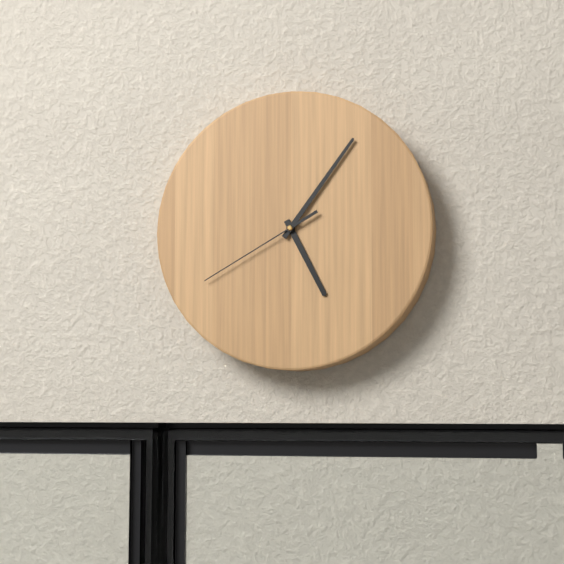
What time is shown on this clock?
5:06:40
